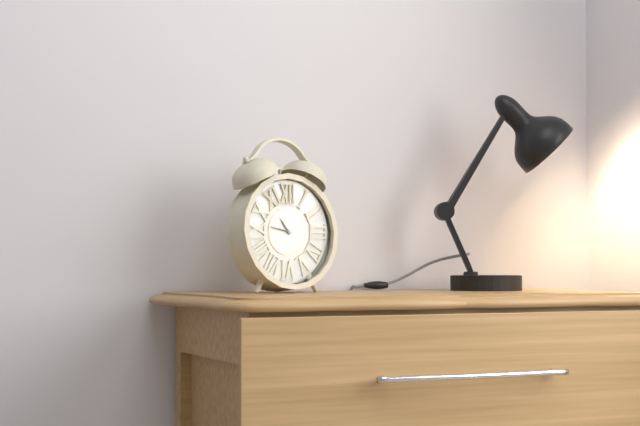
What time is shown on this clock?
10:47
